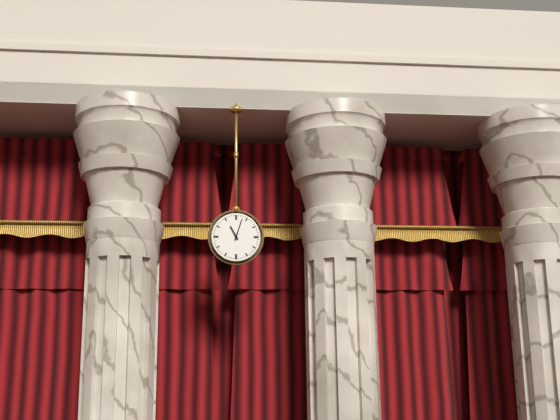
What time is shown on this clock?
11:03
